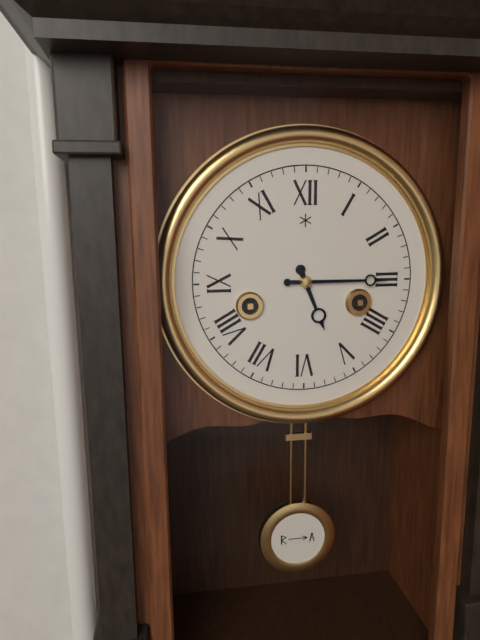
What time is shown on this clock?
5:15
